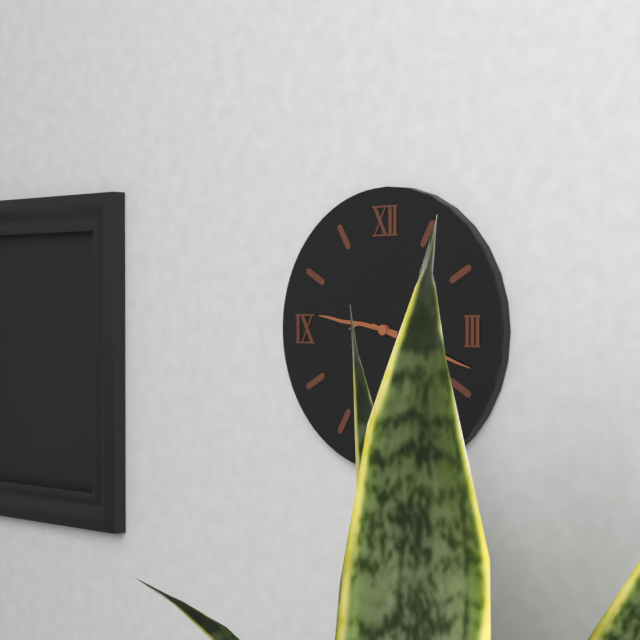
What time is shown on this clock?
9:18
